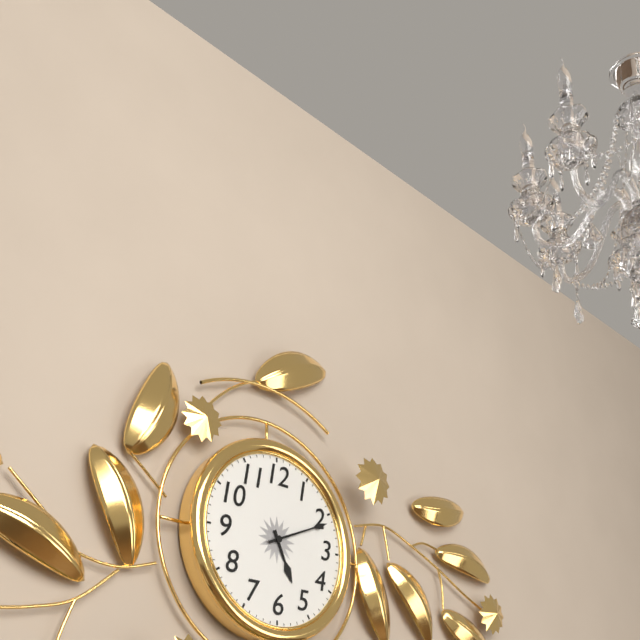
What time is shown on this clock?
5:11
